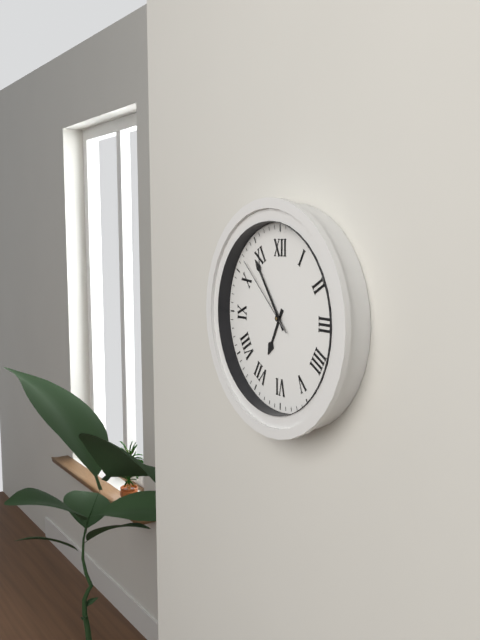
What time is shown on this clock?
6:54:52
